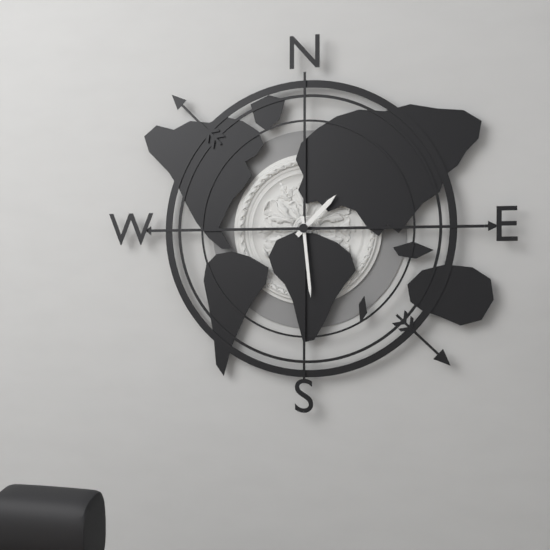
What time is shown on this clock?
1:29
